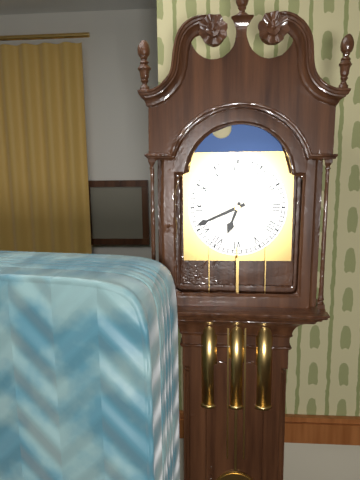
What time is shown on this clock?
6:41
